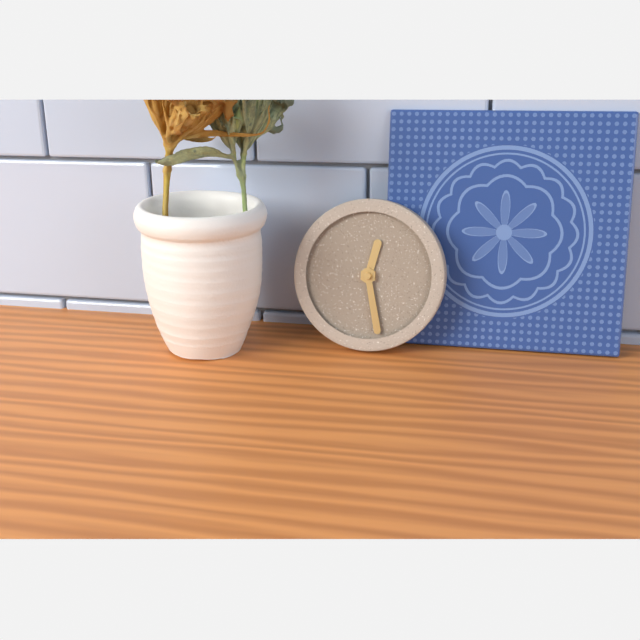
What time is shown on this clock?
12:28
